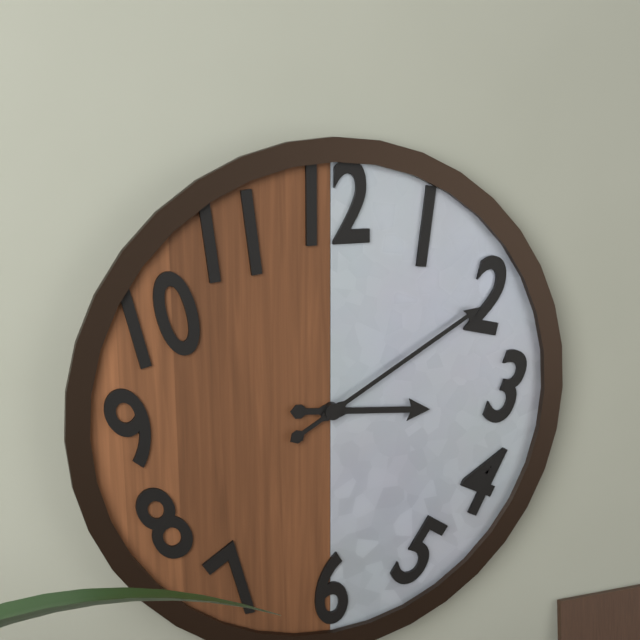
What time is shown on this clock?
3:10
